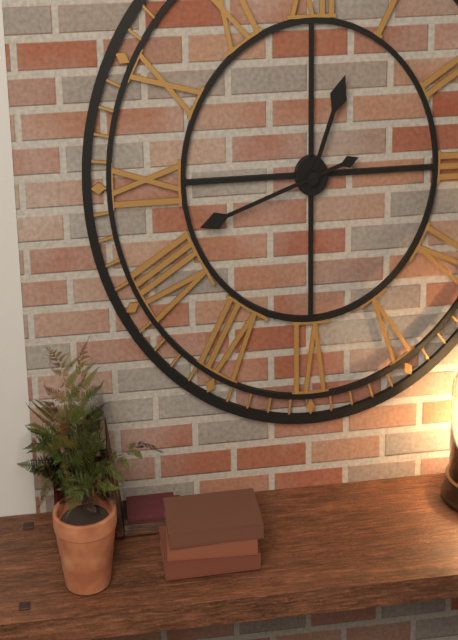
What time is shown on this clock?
12:42
